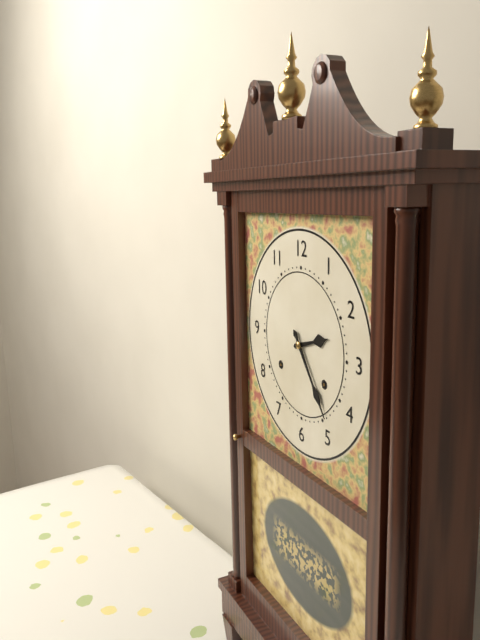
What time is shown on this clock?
2:24
